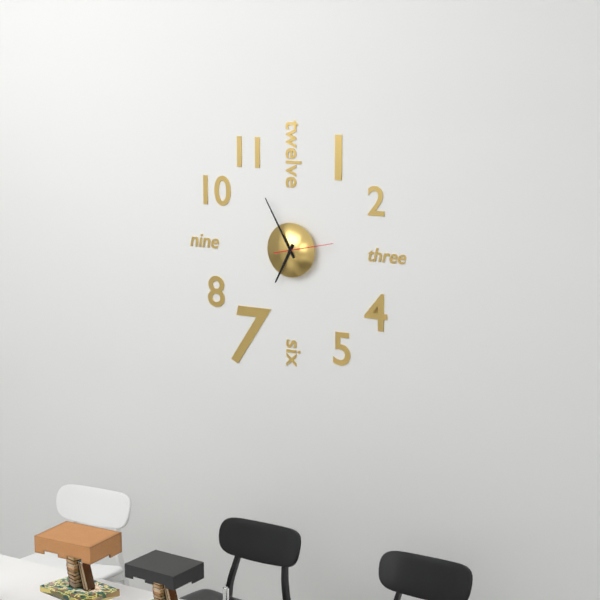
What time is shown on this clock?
6:55:13
